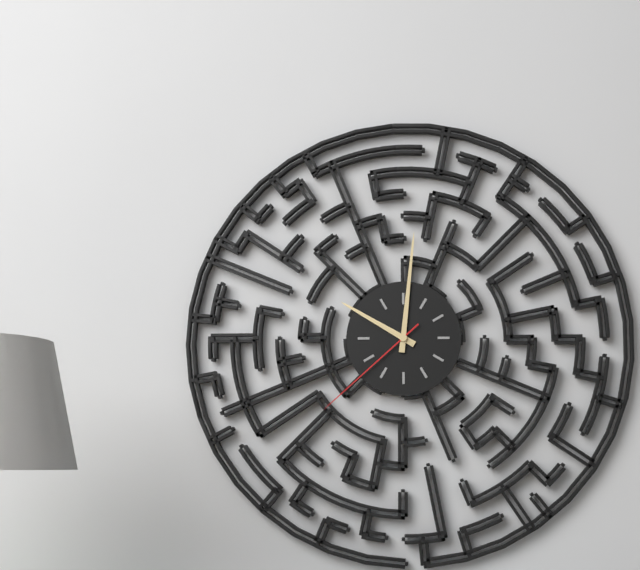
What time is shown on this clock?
10:01:38
